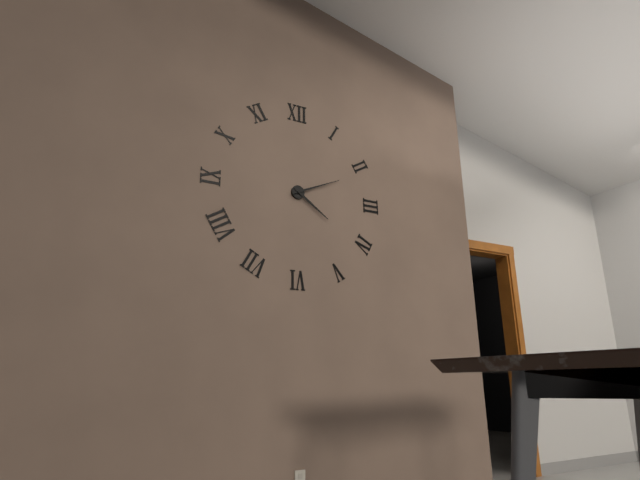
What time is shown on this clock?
4:11
